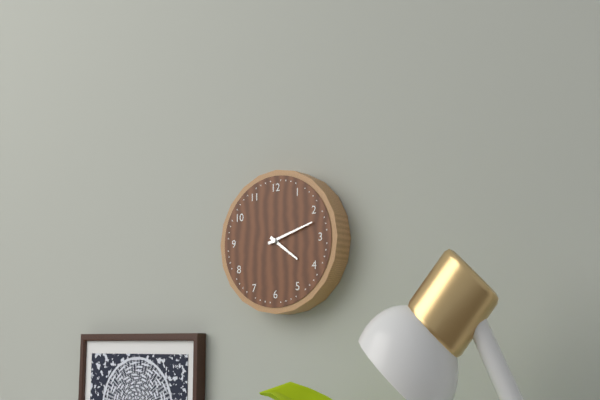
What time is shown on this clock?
4:12
